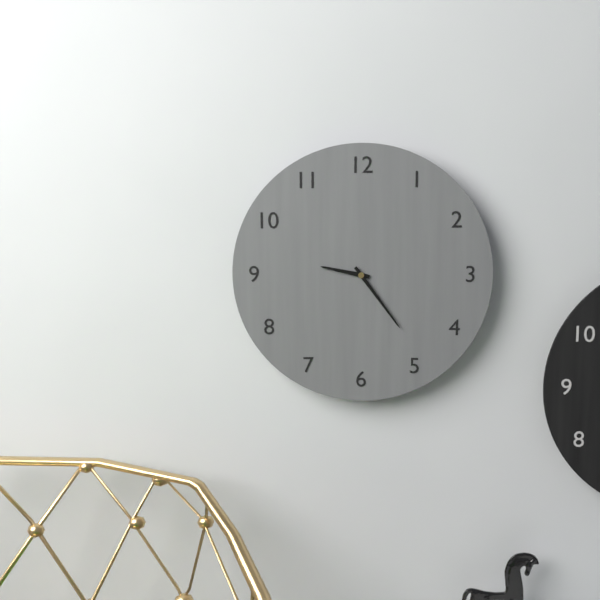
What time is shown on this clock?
9:24
